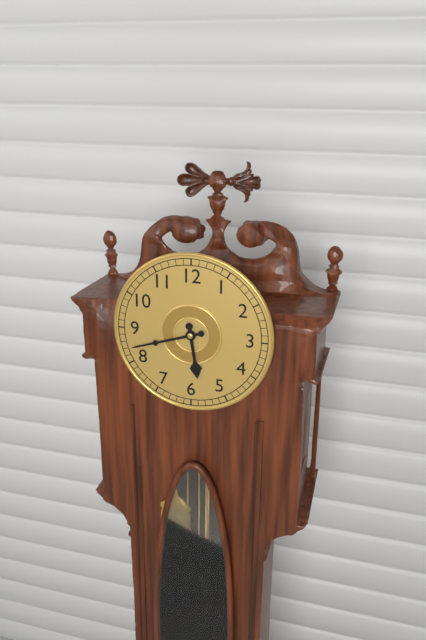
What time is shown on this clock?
5:42
